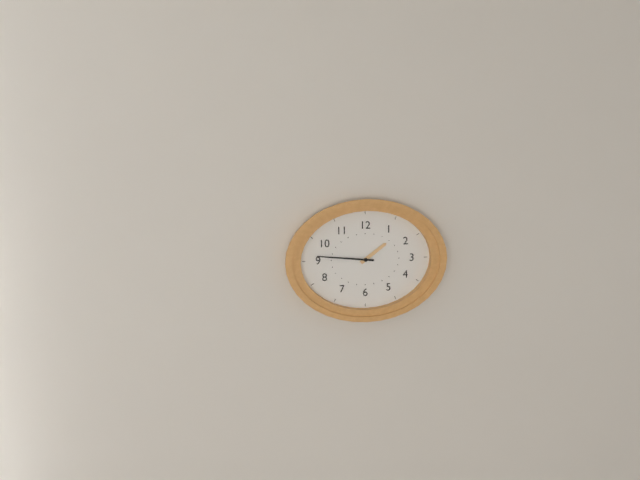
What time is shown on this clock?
1:46
